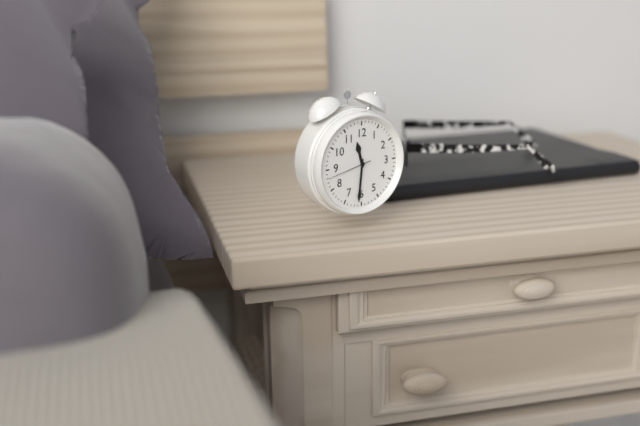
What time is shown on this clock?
11:31
